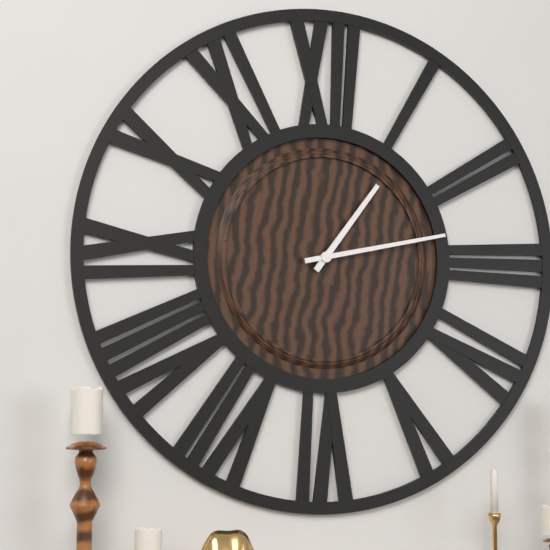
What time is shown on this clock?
1:13
